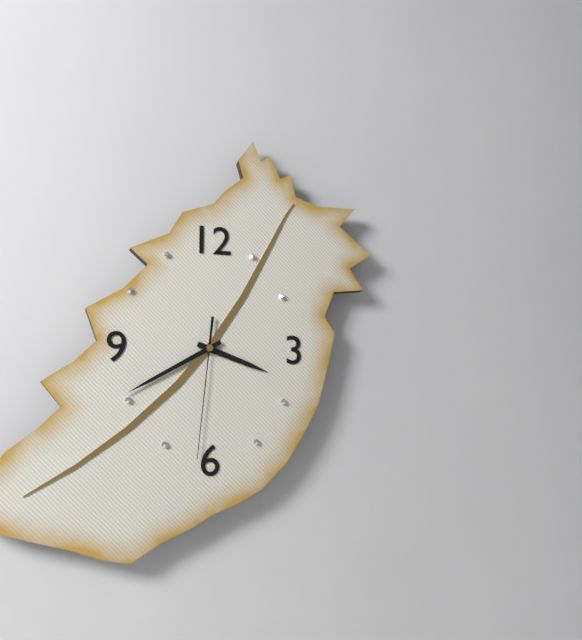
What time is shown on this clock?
3:40:31
